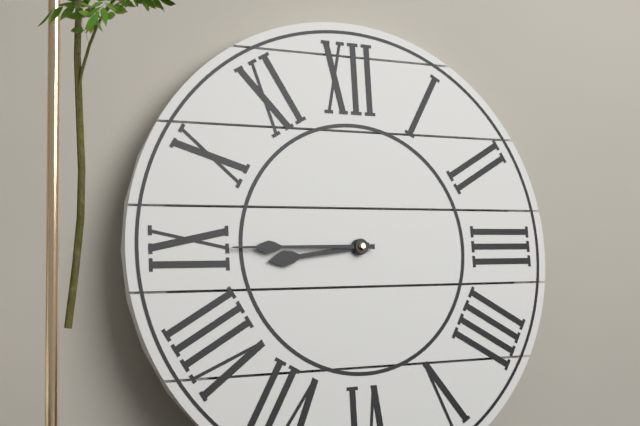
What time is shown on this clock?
8:45
